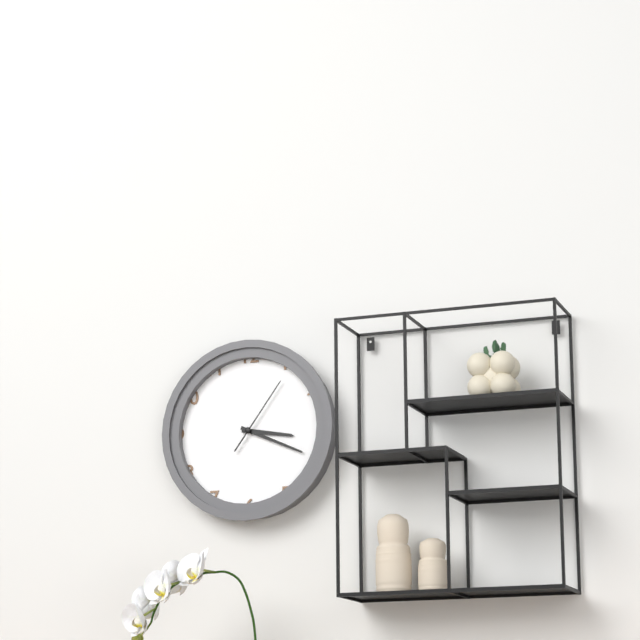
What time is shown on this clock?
3:19:06
